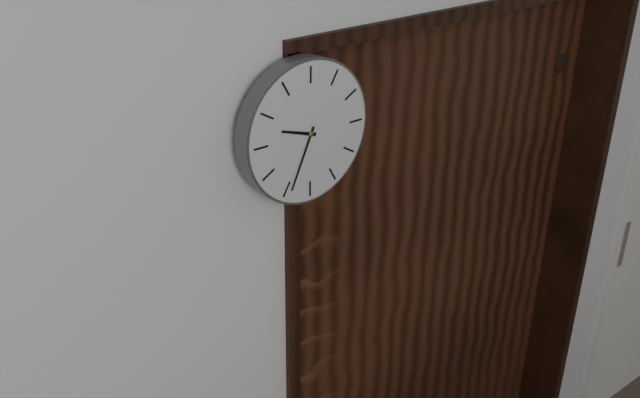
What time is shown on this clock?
9:34
